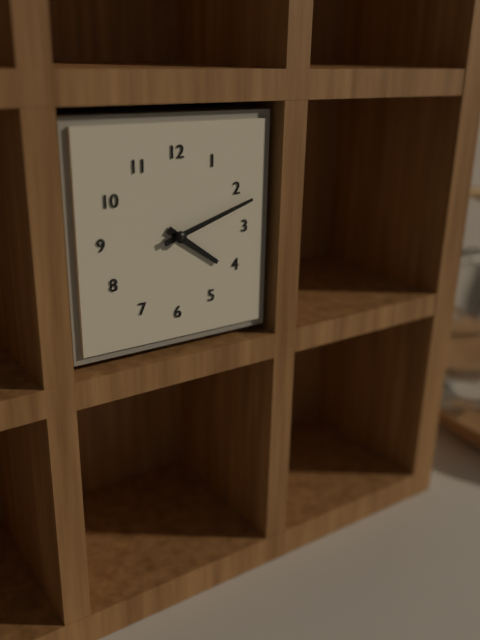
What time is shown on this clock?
4:12
